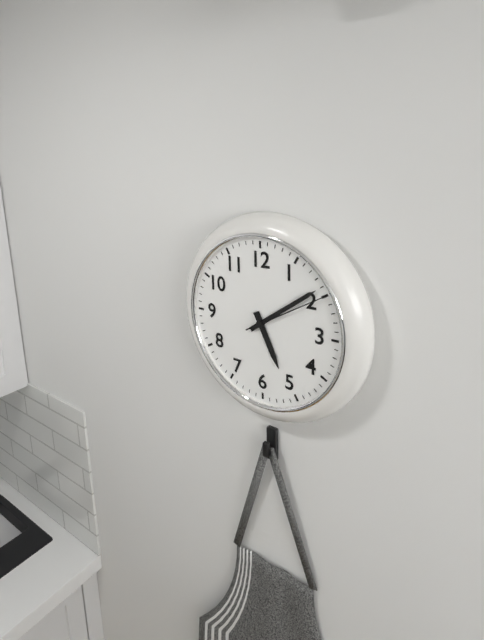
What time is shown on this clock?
5:09:10
